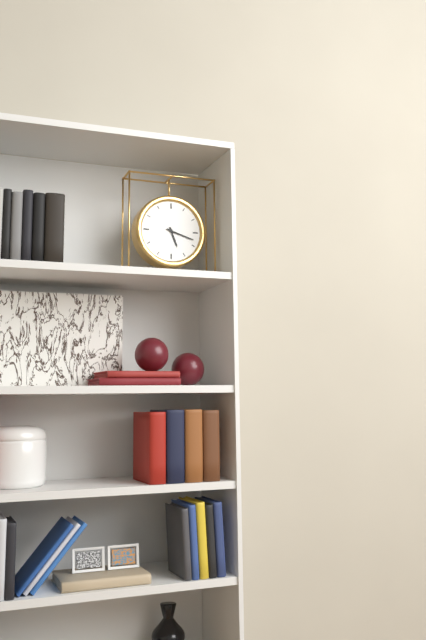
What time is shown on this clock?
5:18
